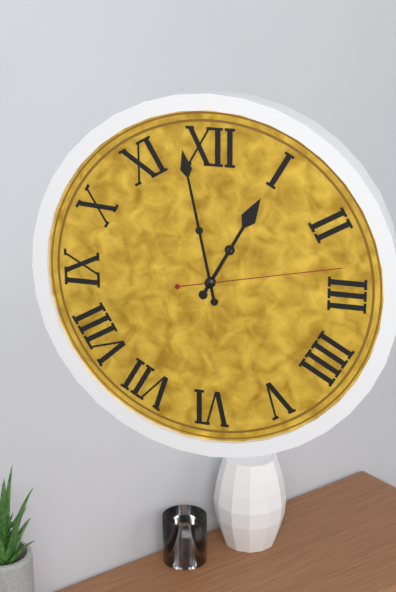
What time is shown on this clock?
12:58:13
